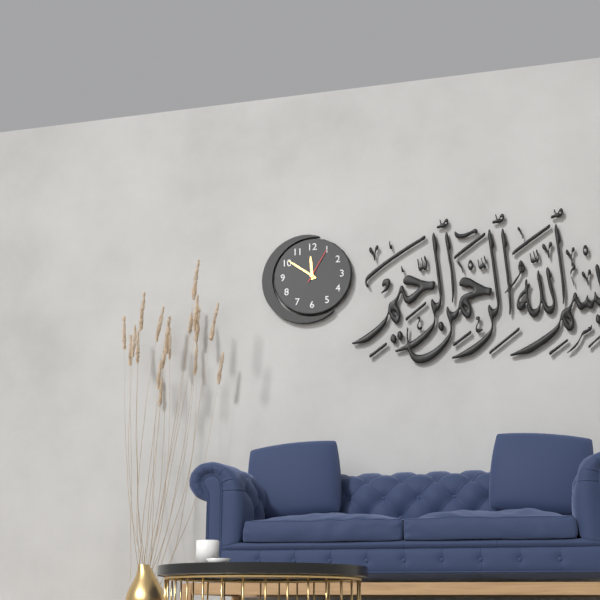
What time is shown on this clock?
11:51
